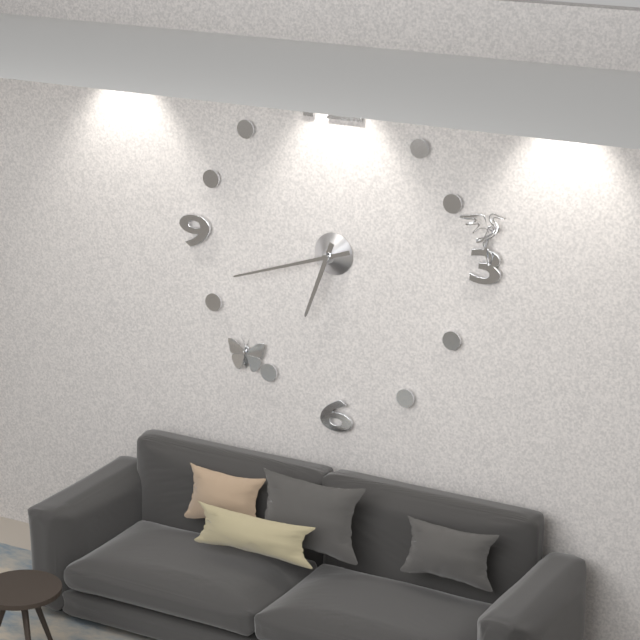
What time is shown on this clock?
6:42
